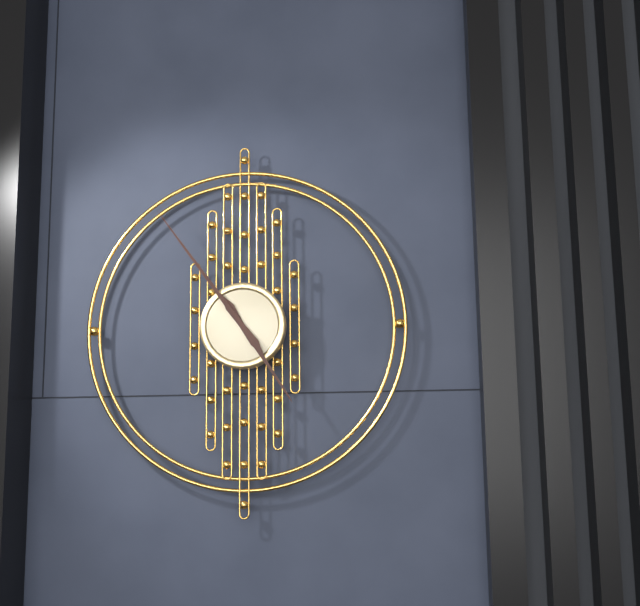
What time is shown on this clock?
4:54
